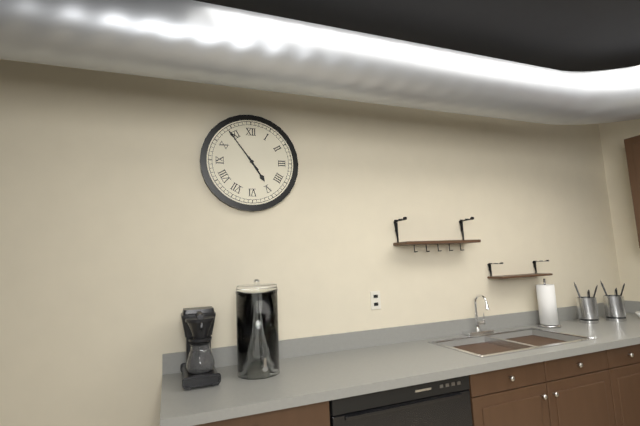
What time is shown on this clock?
4:54
